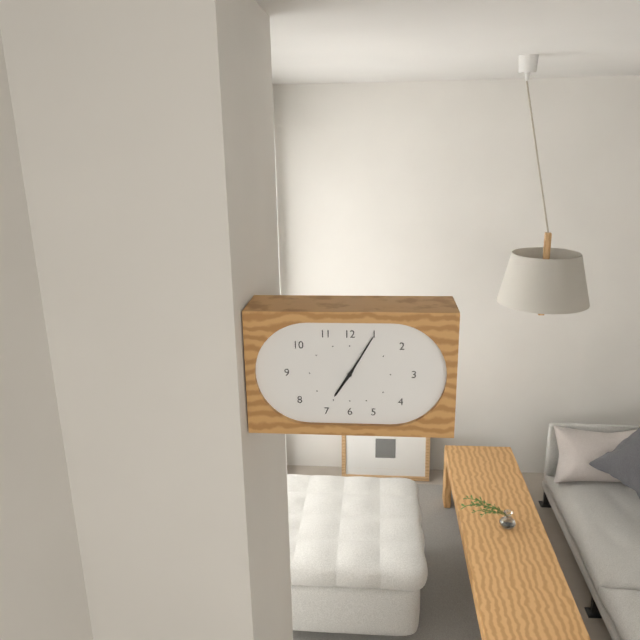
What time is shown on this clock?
7:05
